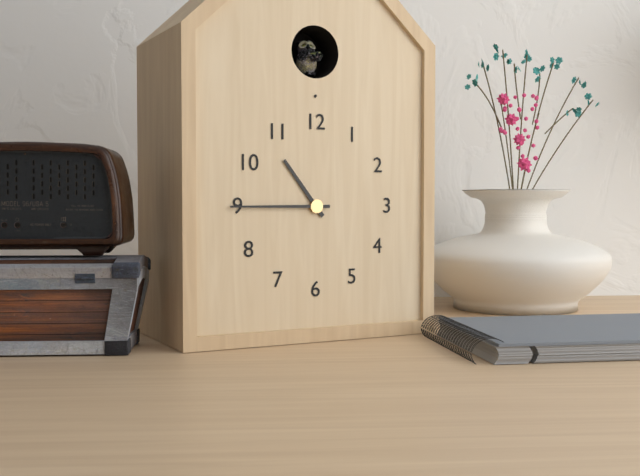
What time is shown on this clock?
10:45
